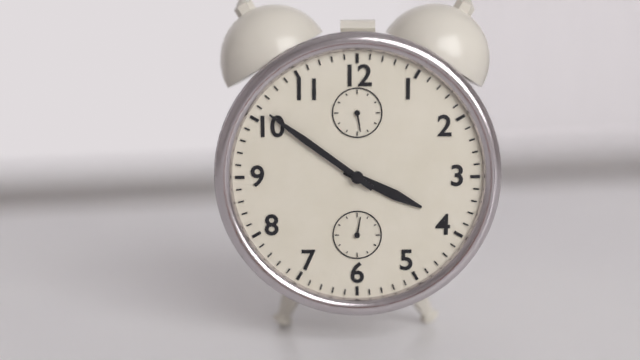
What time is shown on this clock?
3:51
